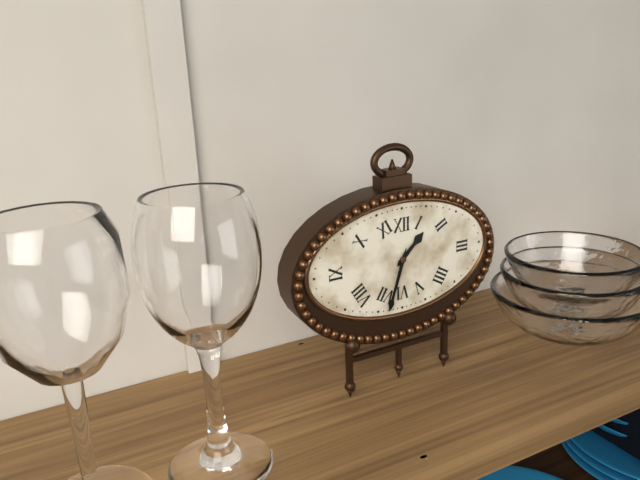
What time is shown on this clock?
1:33
